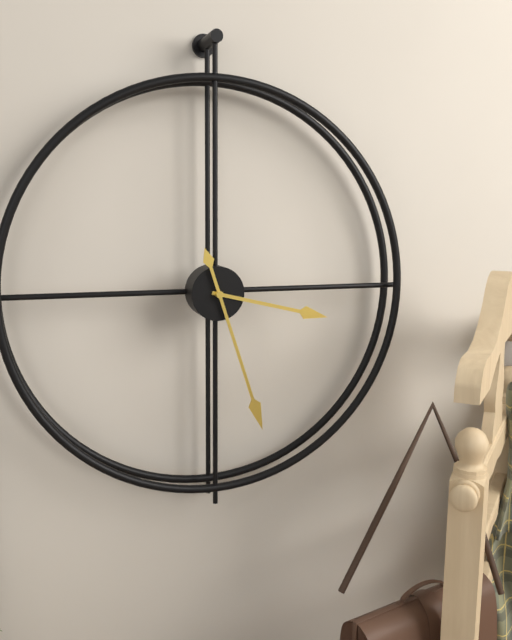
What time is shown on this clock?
3:27
